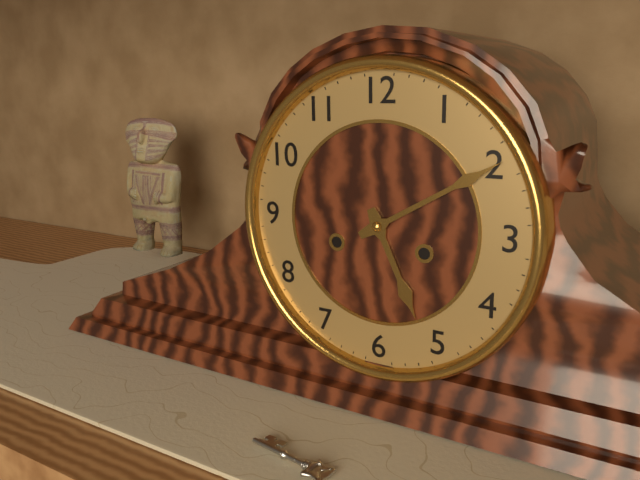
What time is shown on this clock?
5:10
